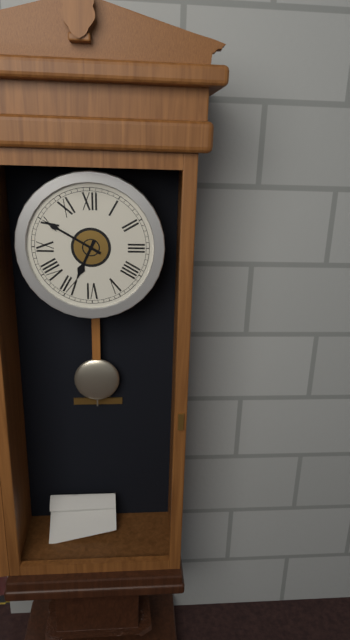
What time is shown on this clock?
6:50
